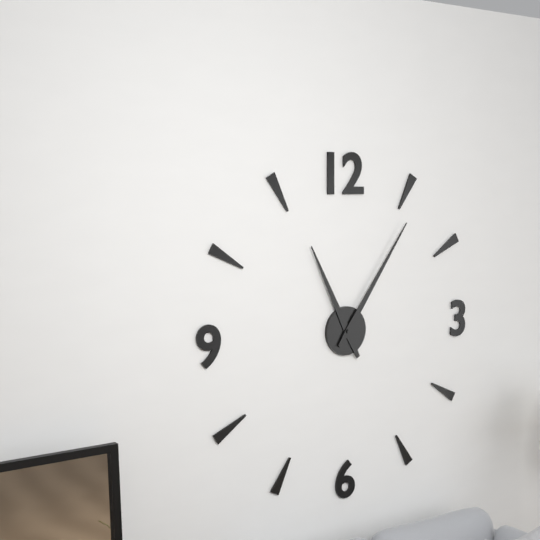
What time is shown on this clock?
11:06
